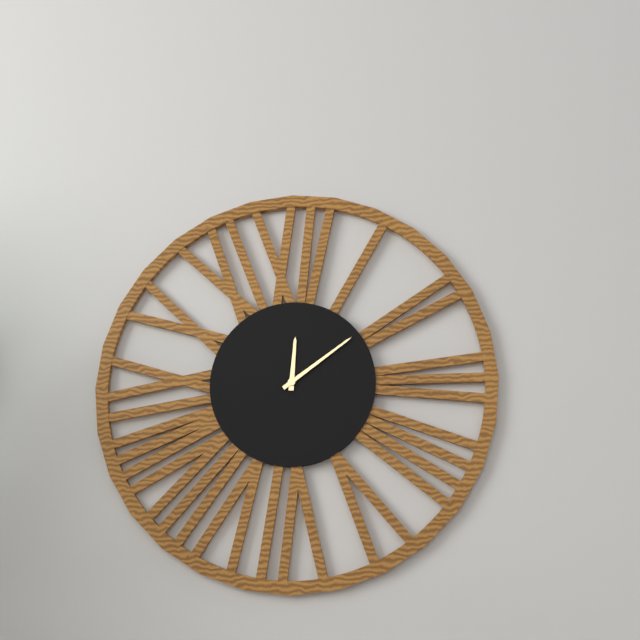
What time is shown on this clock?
12:09
